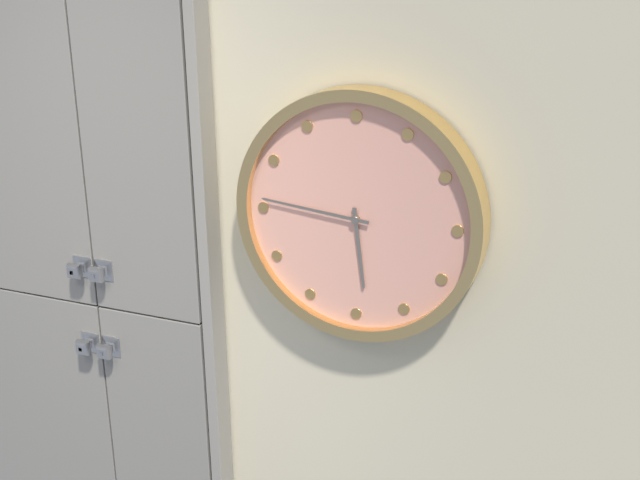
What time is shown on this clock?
5:46
